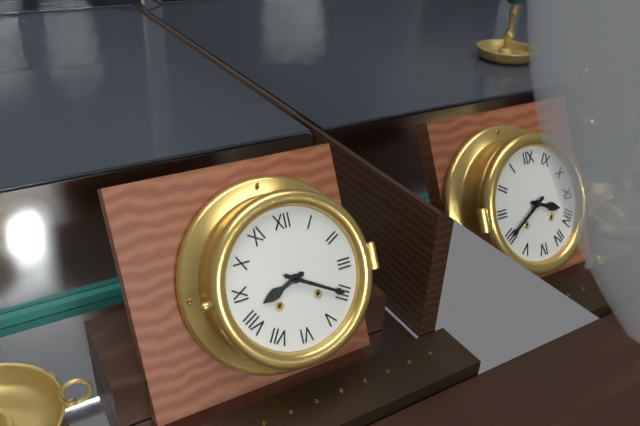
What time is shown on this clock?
8:20
